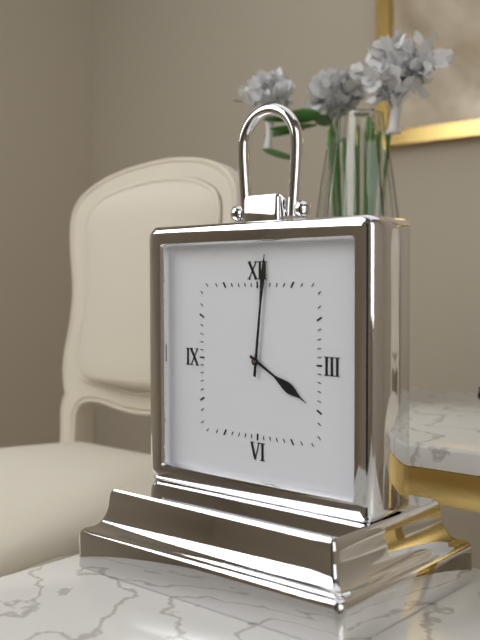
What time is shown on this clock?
4:01
